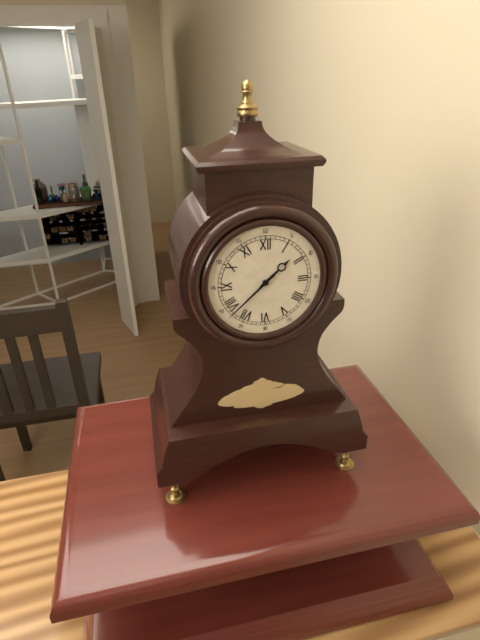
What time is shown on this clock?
1:38
